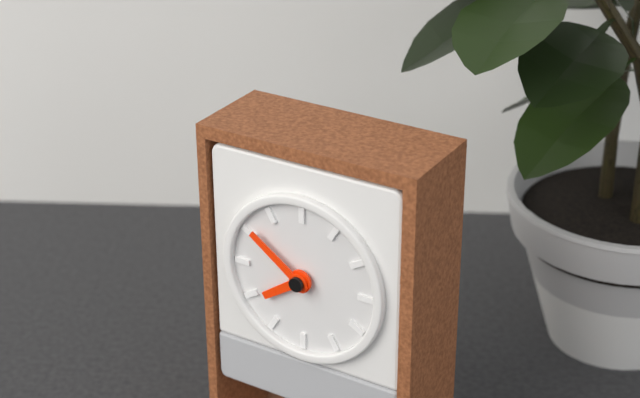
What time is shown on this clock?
7:51
